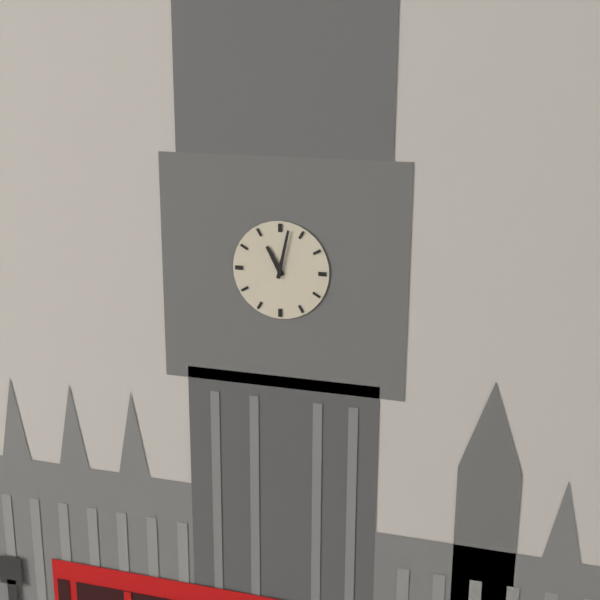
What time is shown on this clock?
11:02
